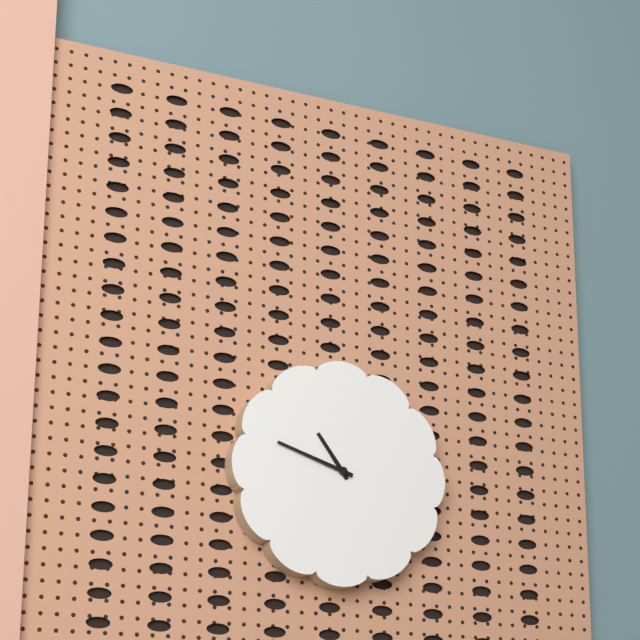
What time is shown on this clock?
10:48
